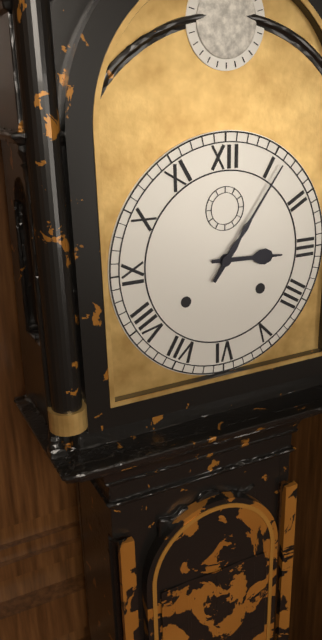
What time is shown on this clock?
3:06
